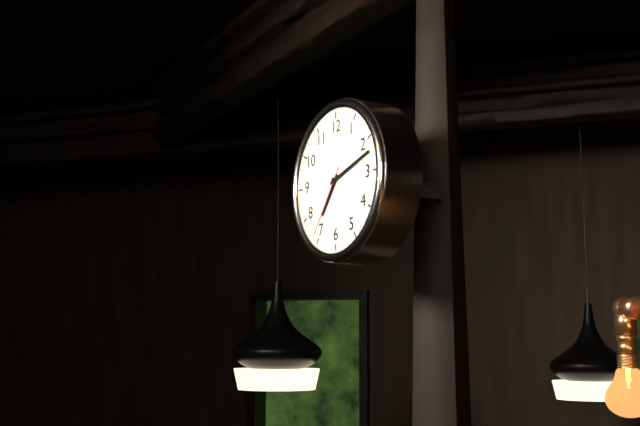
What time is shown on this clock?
7:12:36
